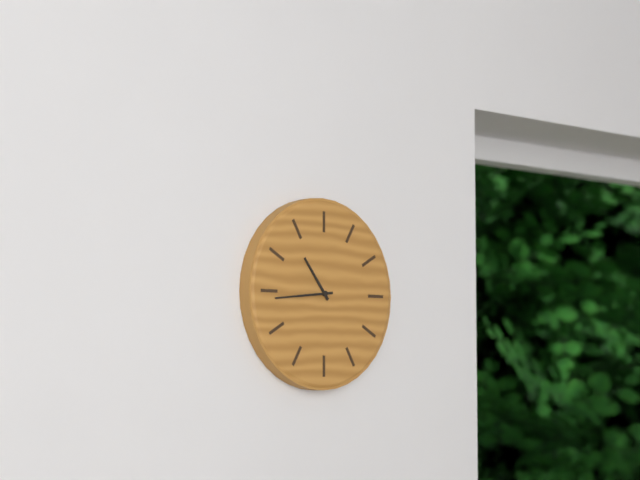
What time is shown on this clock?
10:44
